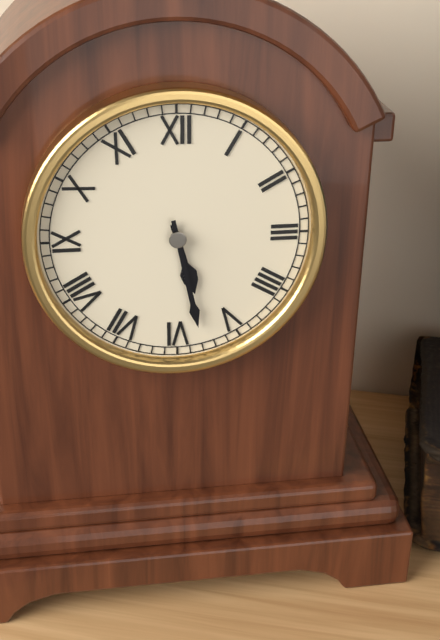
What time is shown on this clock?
5:28
